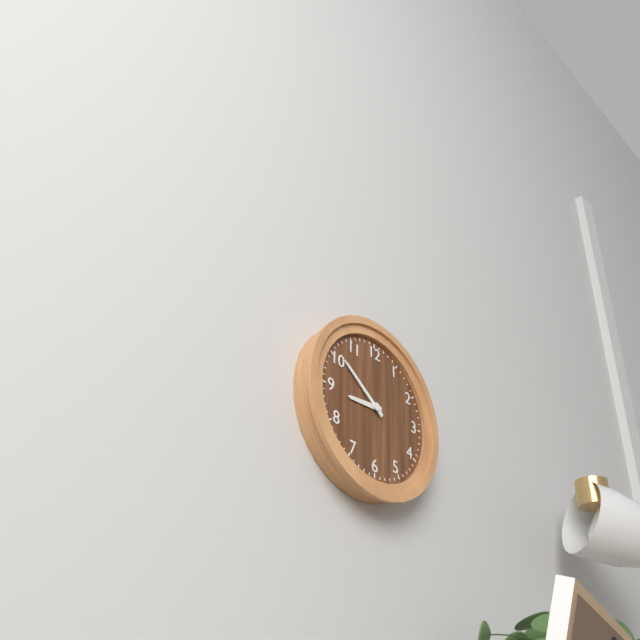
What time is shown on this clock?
8:51
